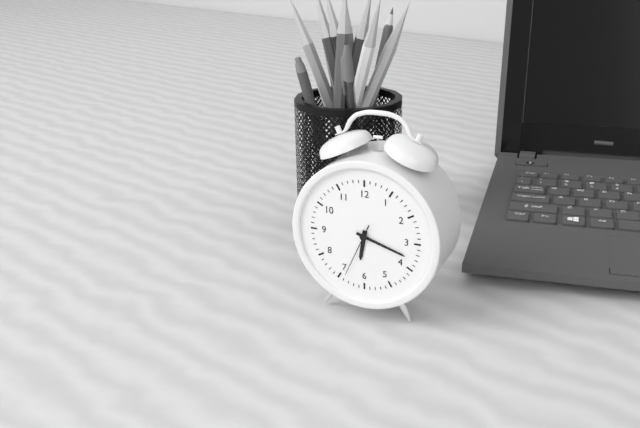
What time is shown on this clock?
6:18:34
